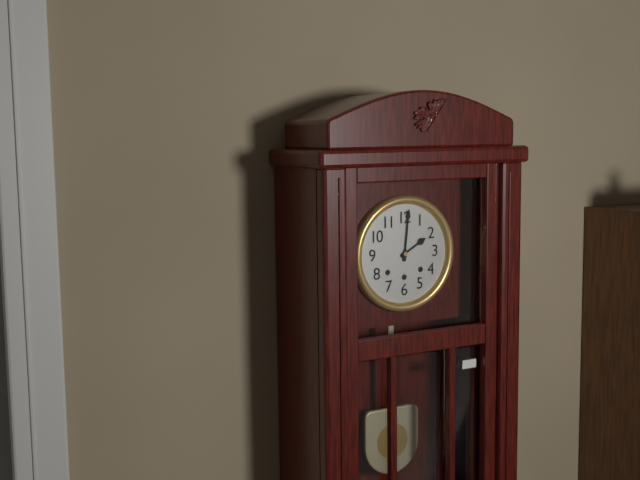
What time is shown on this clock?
2:01
